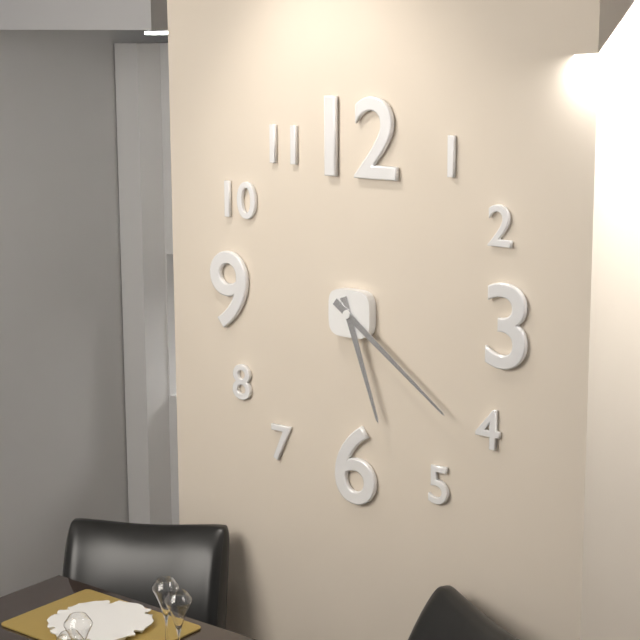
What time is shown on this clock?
5:21
